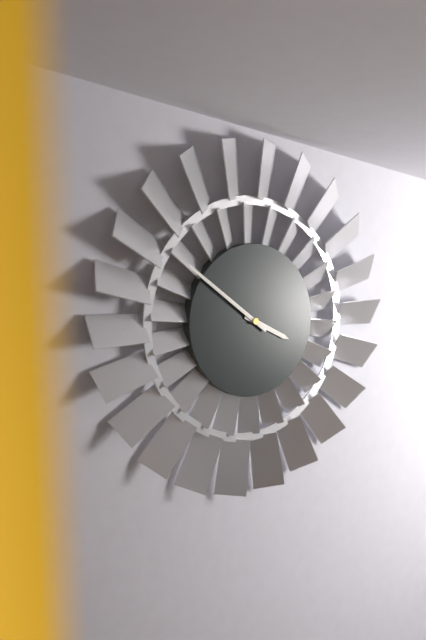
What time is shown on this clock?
3:51
